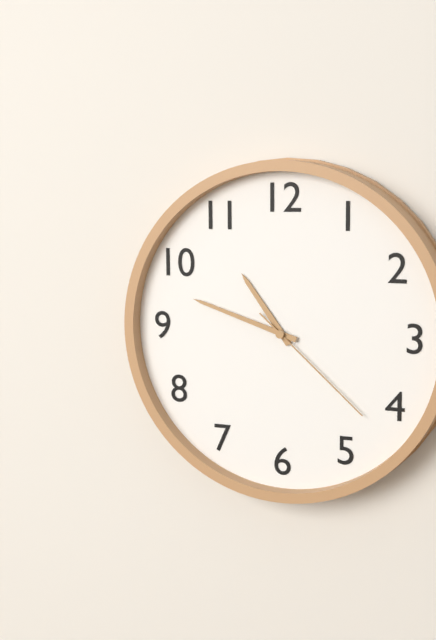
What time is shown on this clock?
10:48:22
